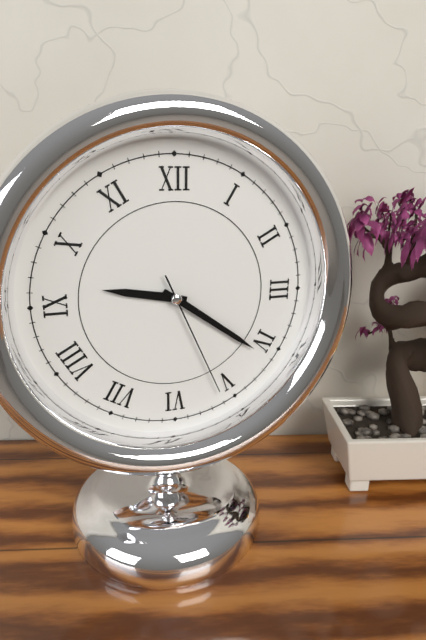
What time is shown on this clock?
9:21:26
